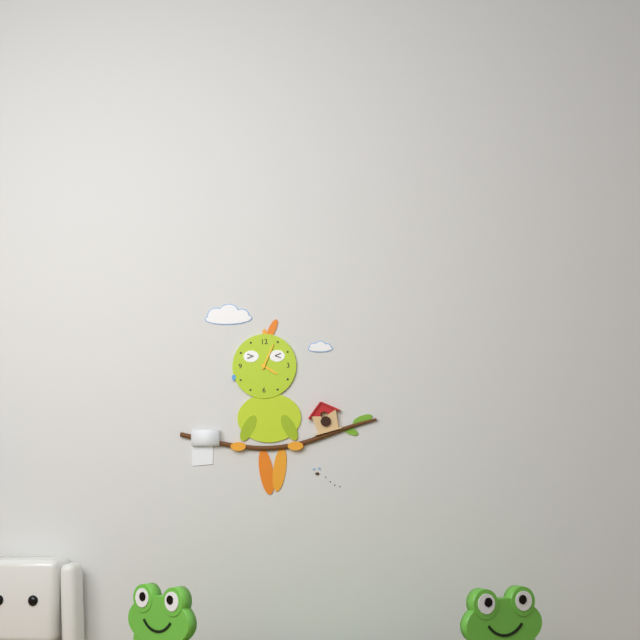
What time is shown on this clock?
4:04
